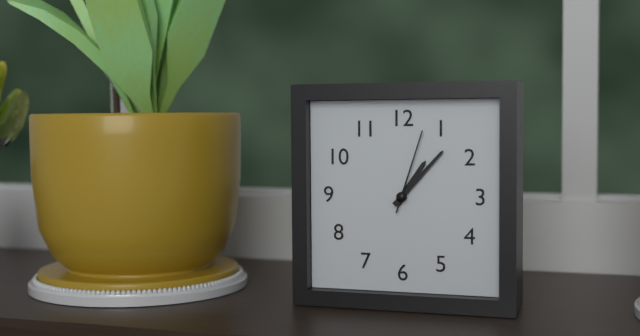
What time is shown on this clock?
1:07:03
